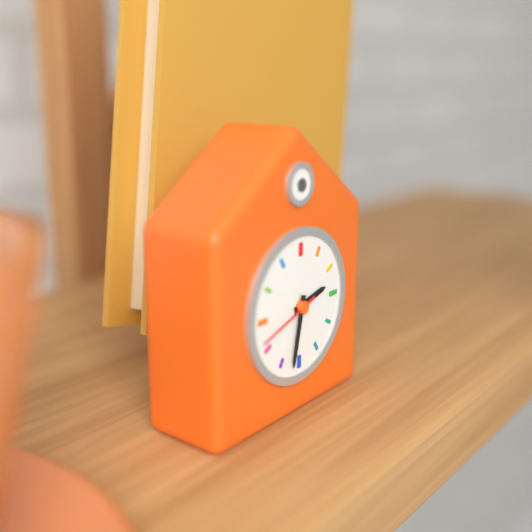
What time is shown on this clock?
2:32:42
